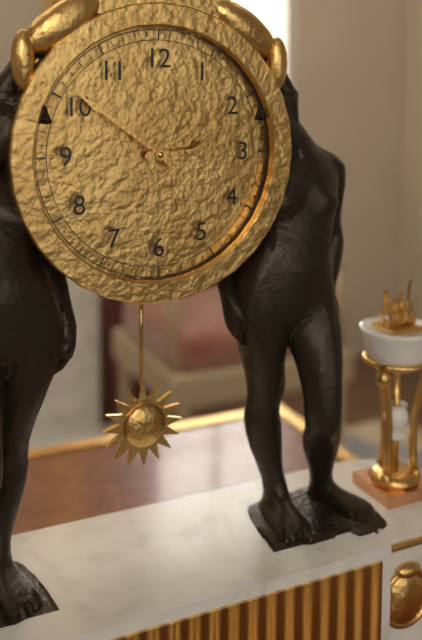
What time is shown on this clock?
2:51
